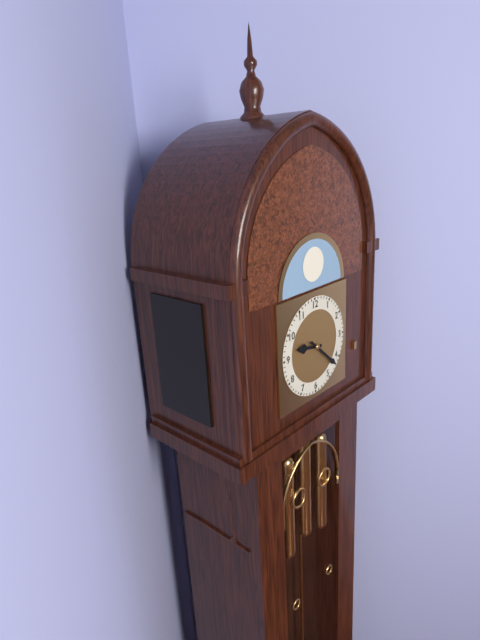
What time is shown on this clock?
9:22
